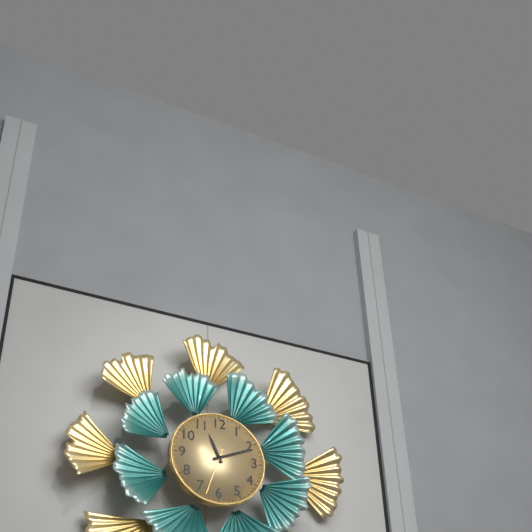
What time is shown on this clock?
11:11
